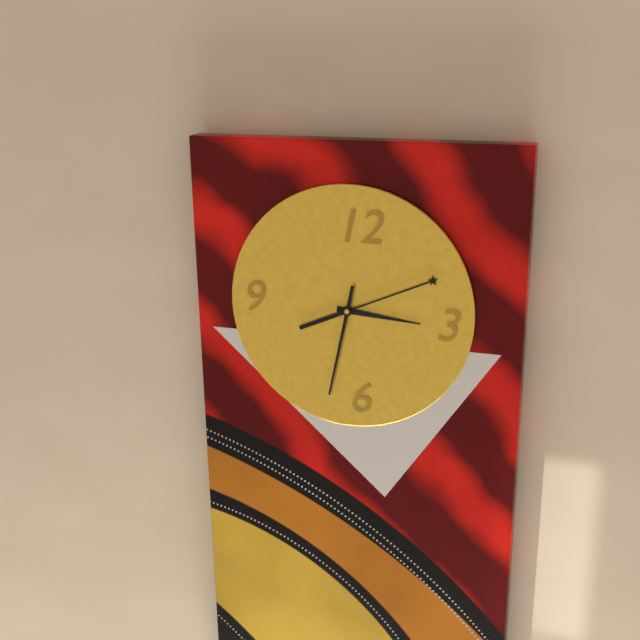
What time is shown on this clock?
3:11:32
